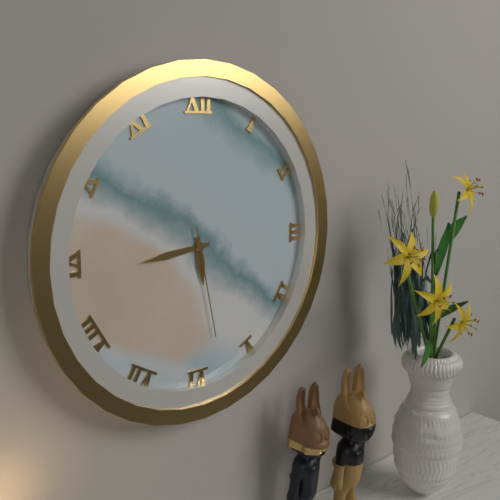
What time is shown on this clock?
5:44:28
